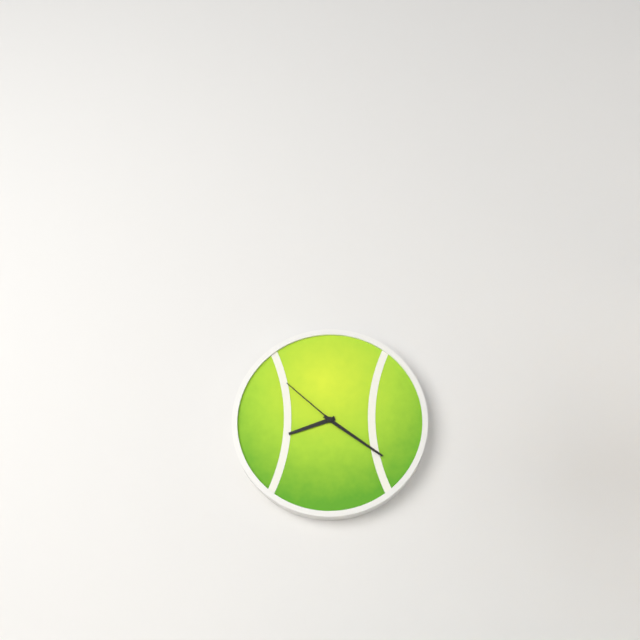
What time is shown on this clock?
8:21:52
